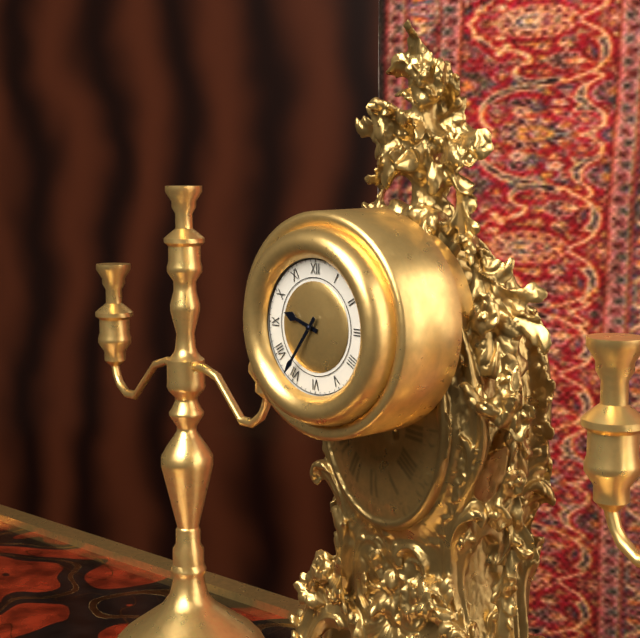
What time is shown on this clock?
9:36
